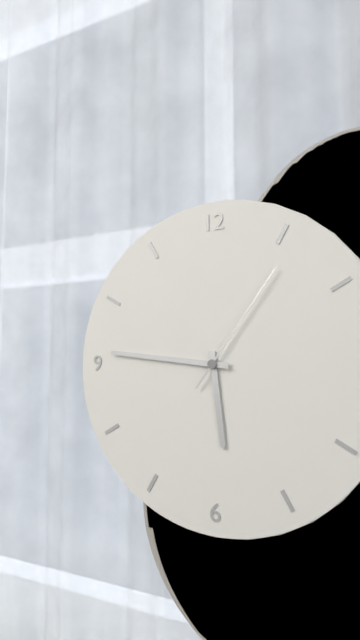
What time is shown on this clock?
5:46:06
